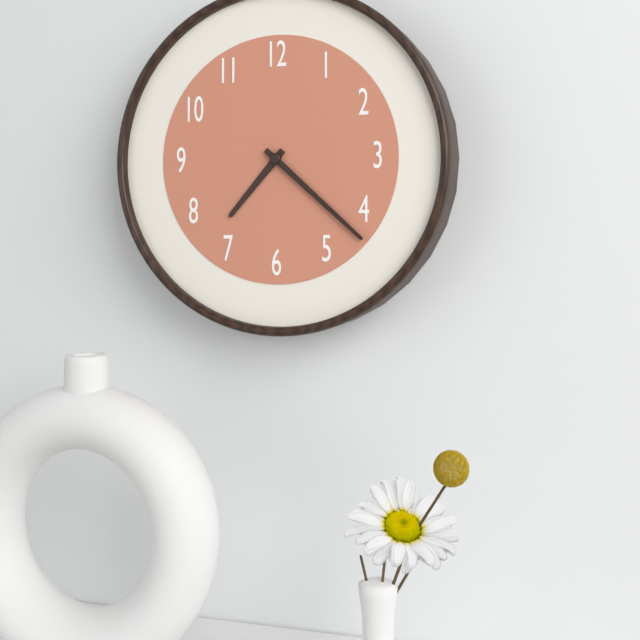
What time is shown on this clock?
7:22
